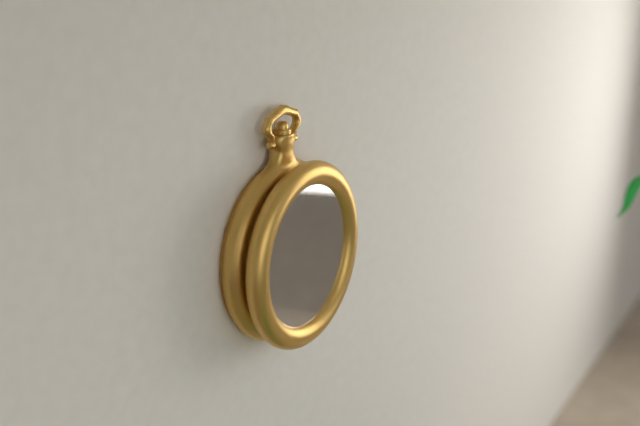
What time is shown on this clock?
11:48
